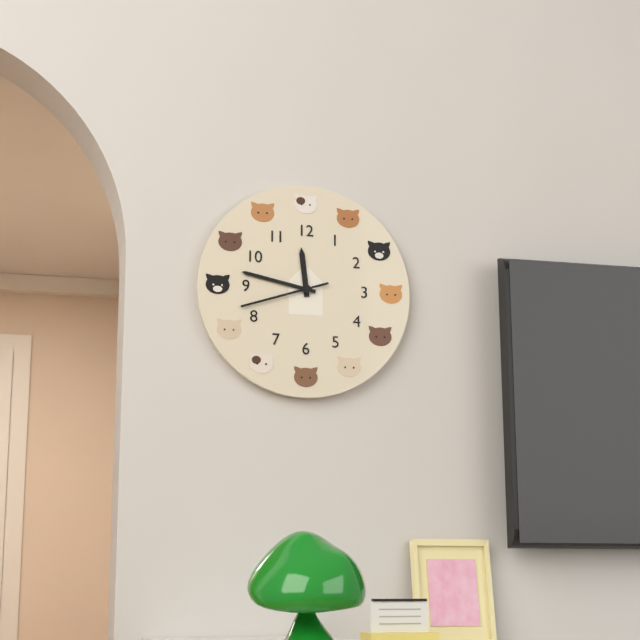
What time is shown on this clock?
11:47:42
